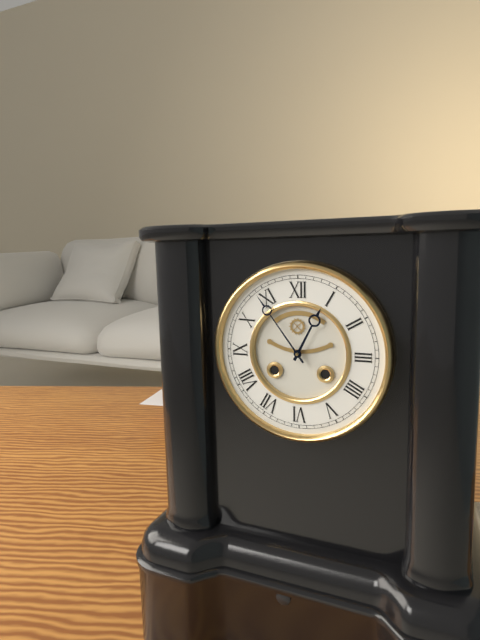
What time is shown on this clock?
12:54
